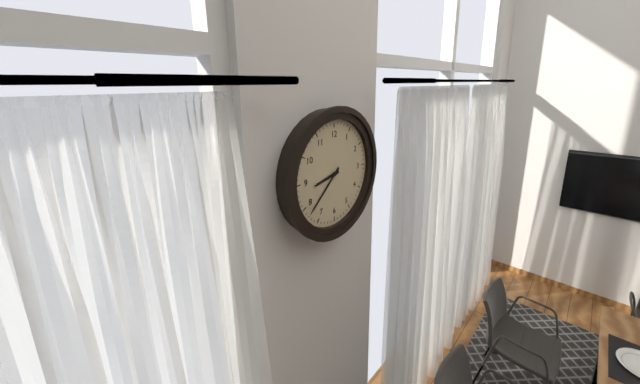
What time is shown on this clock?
8:38
